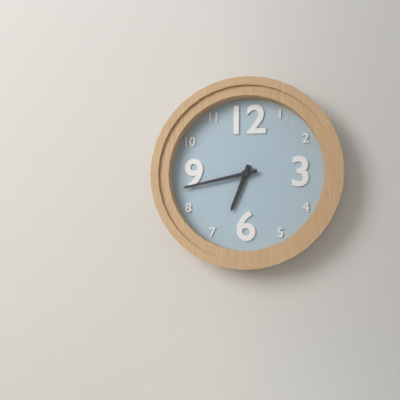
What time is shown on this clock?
6:43
